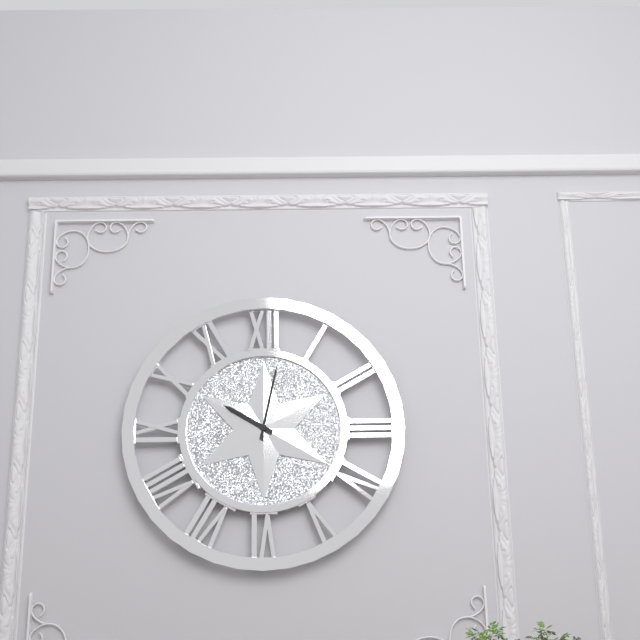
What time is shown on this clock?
10:02
